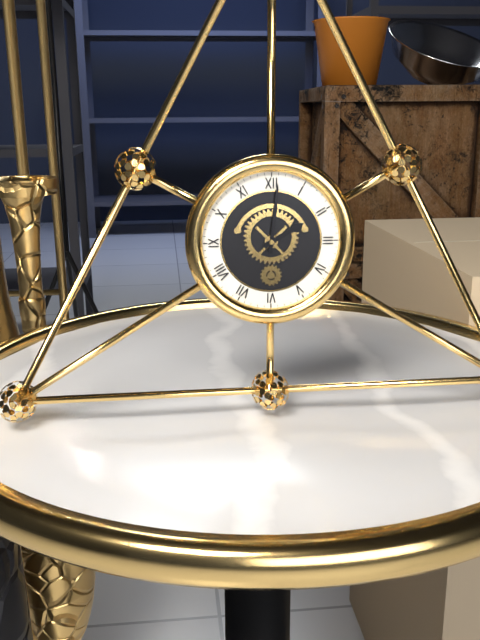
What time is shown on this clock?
2:01
